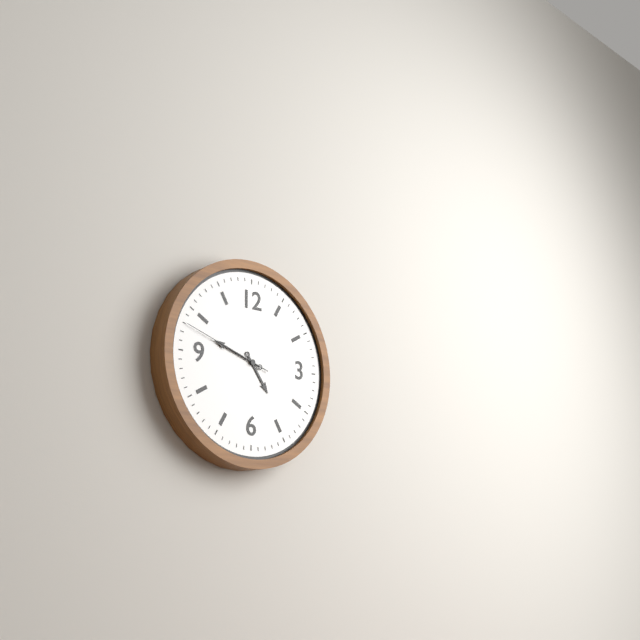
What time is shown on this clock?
4:48:48
